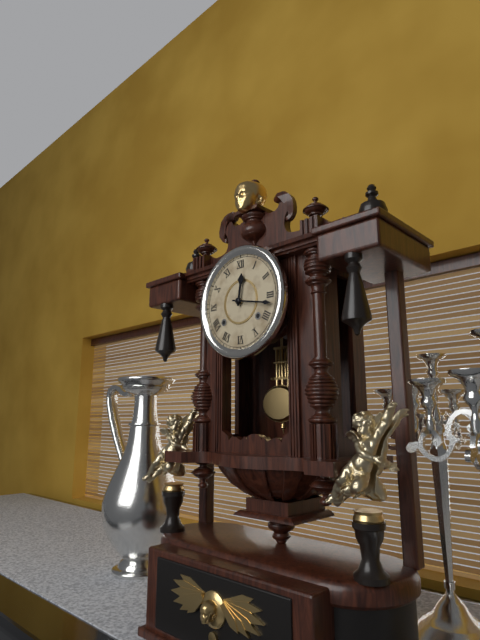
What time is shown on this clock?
12:17
